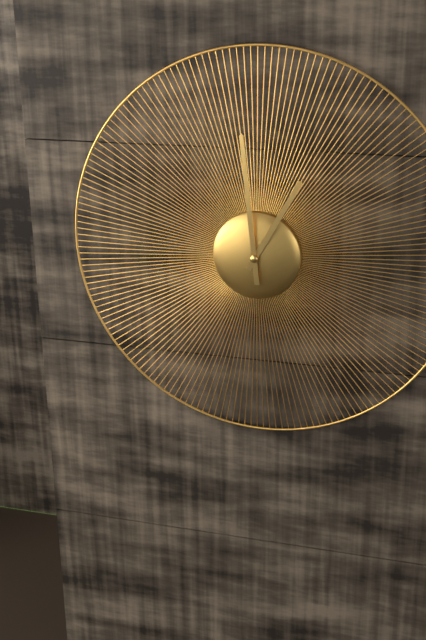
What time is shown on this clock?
12:59
